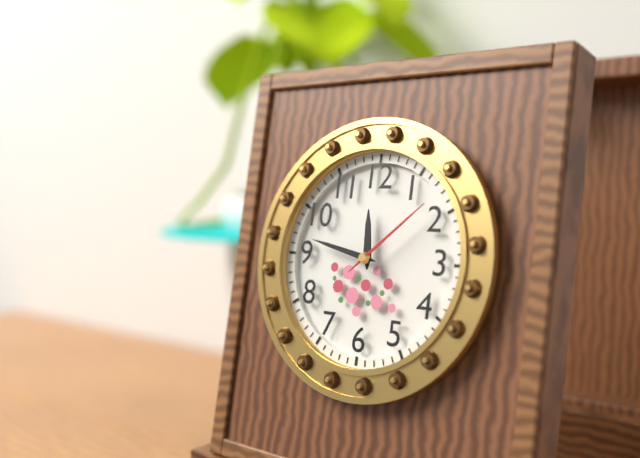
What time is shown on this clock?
11:47:08
